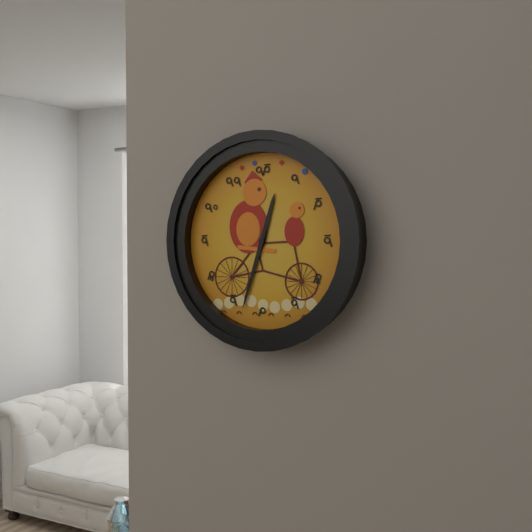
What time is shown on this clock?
12:33
